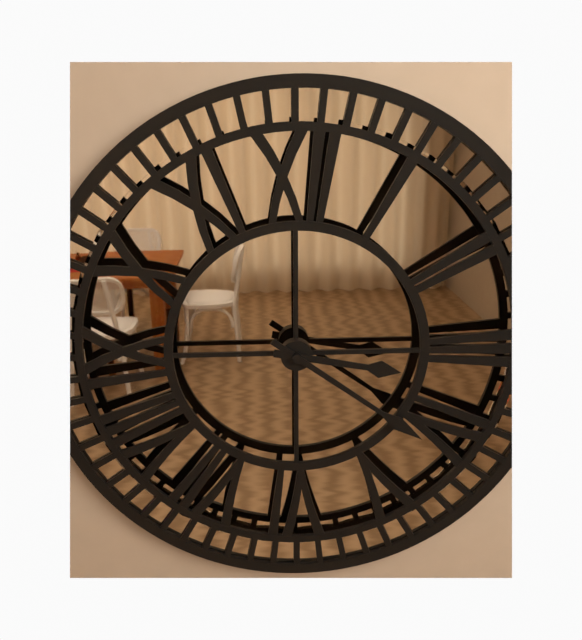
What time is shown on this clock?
3:21
